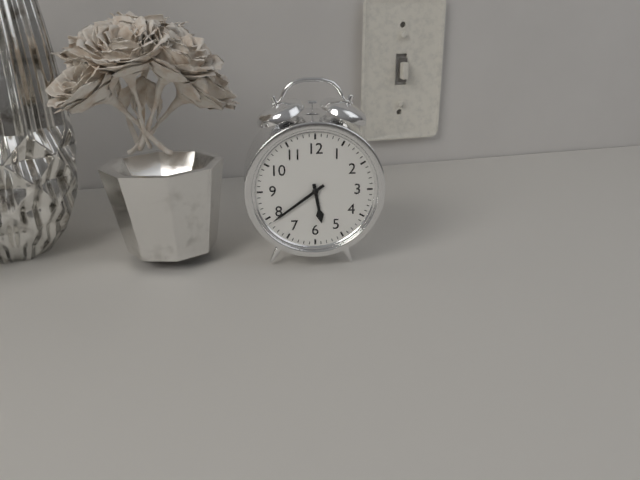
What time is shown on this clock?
5:39
